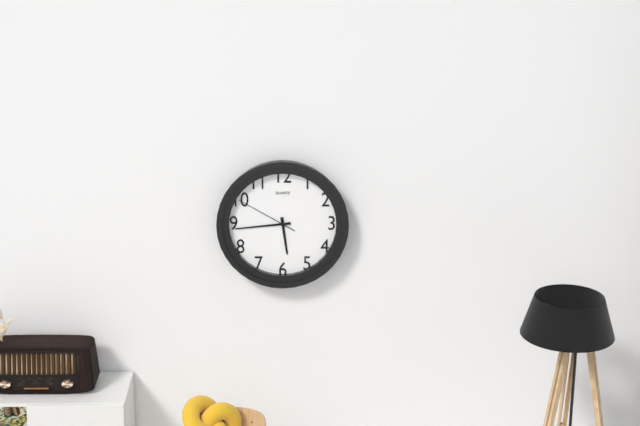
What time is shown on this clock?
5:44:50
